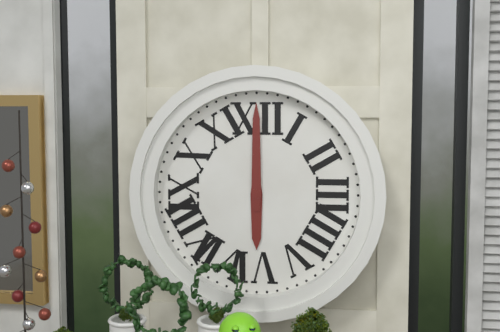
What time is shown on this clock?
6:00
